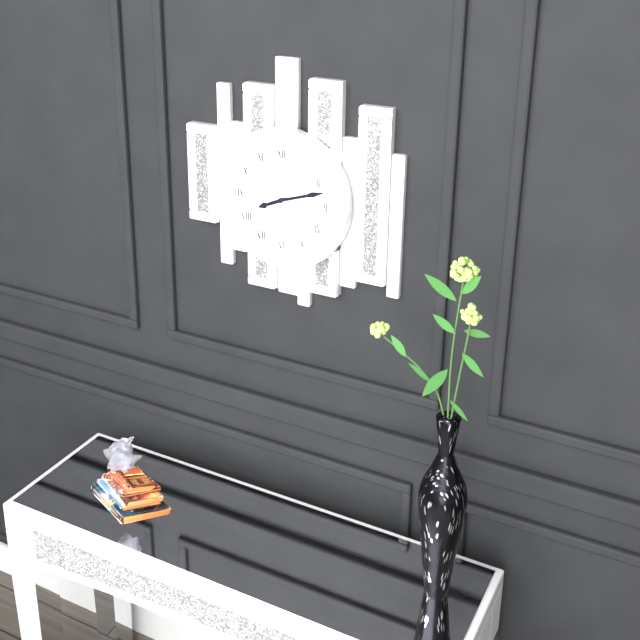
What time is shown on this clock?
8:12
